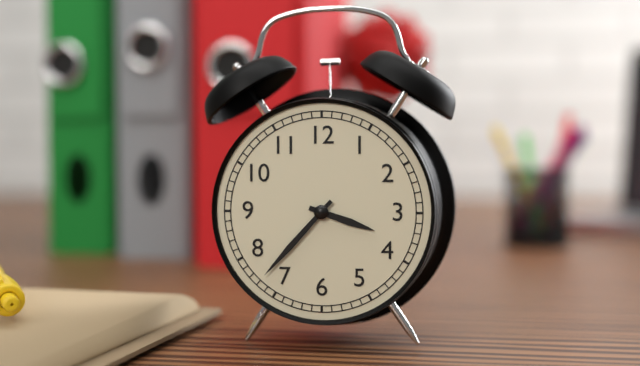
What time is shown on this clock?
3:37
